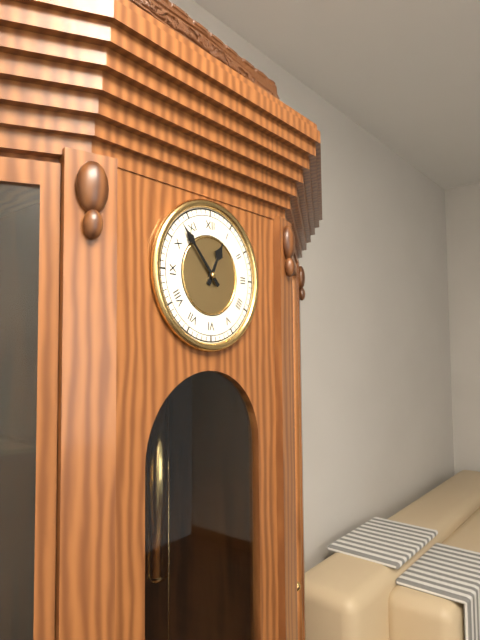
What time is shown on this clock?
12:53
